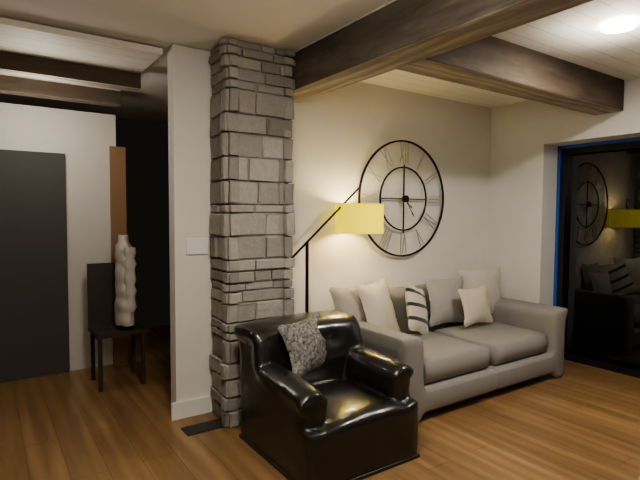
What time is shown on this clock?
4:24
